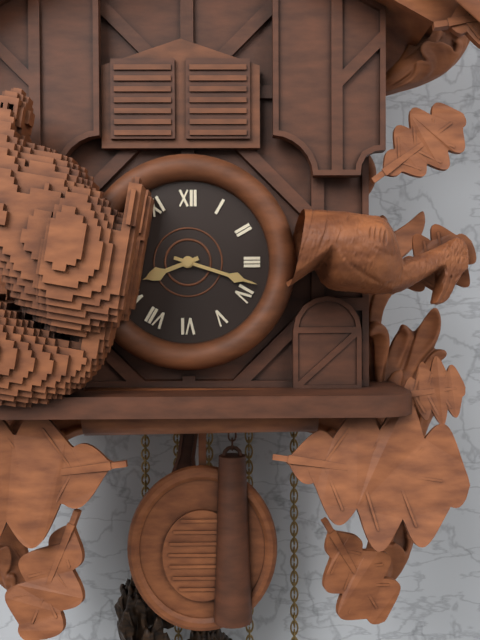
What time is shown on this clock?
8:18
